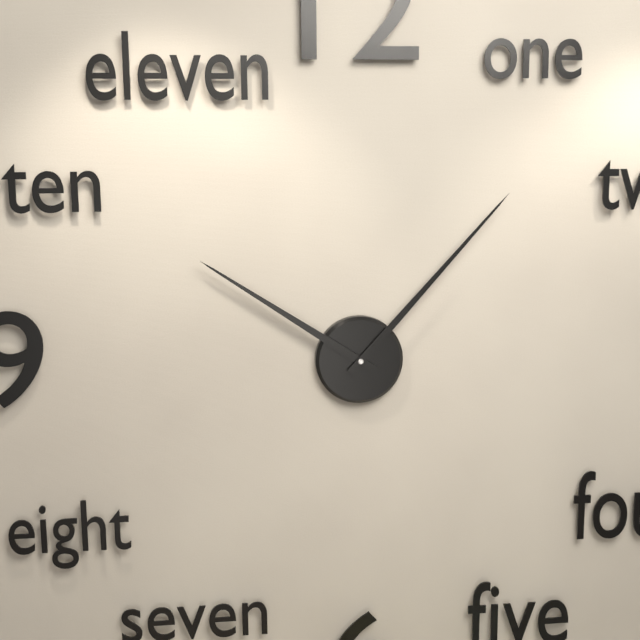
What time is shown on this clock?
10:07
